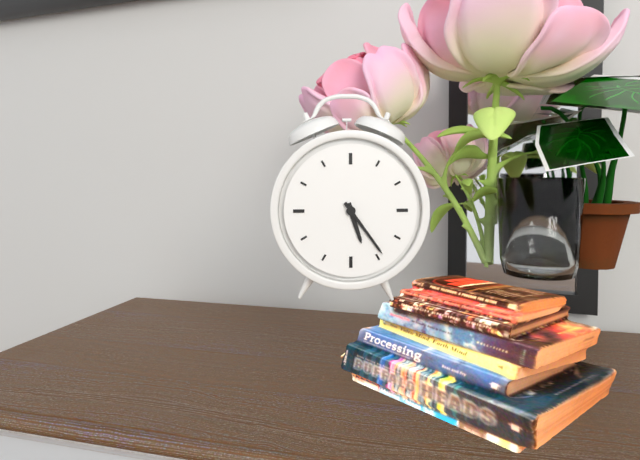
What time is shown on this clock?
5:24
